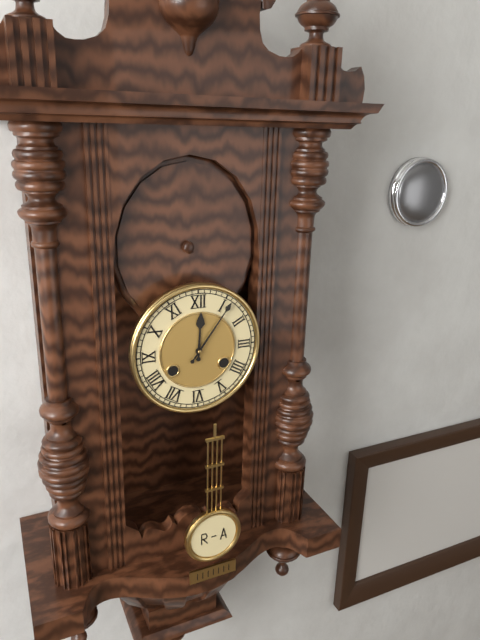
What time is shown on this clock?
12:06
